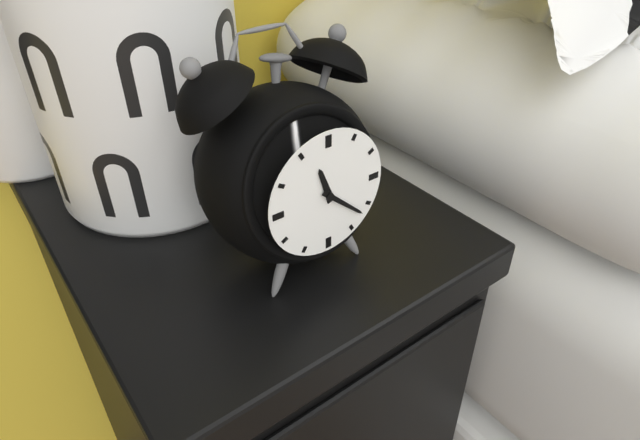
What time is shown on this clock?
11:22
